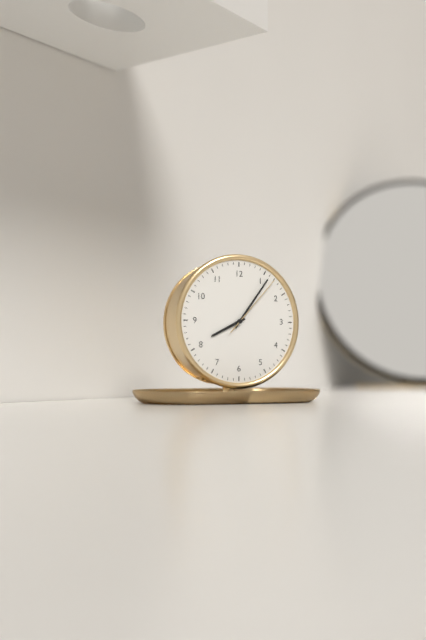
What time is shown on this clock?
8:06:07
